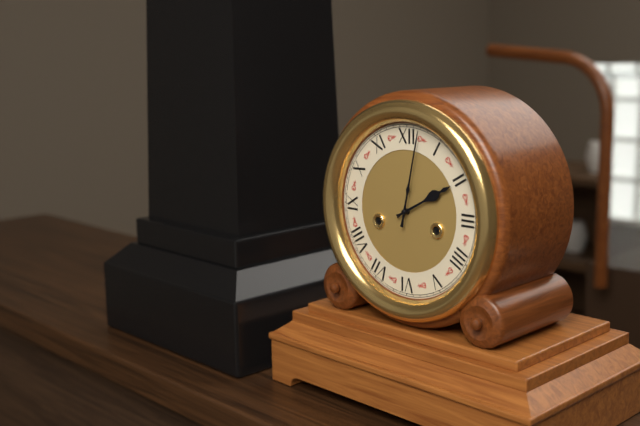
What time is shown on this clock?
2:02
